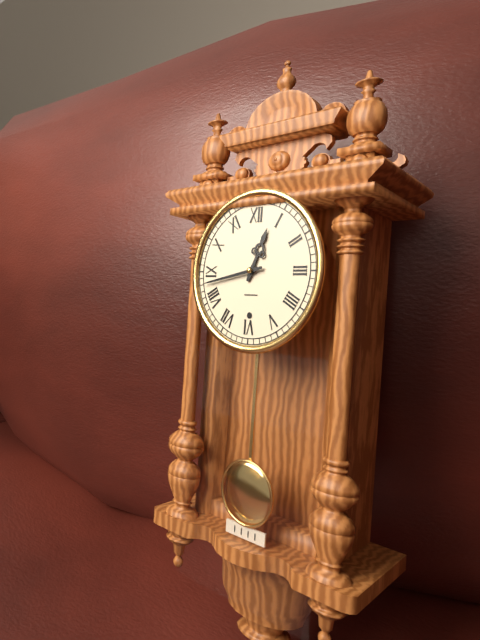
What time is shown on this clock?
12:43
